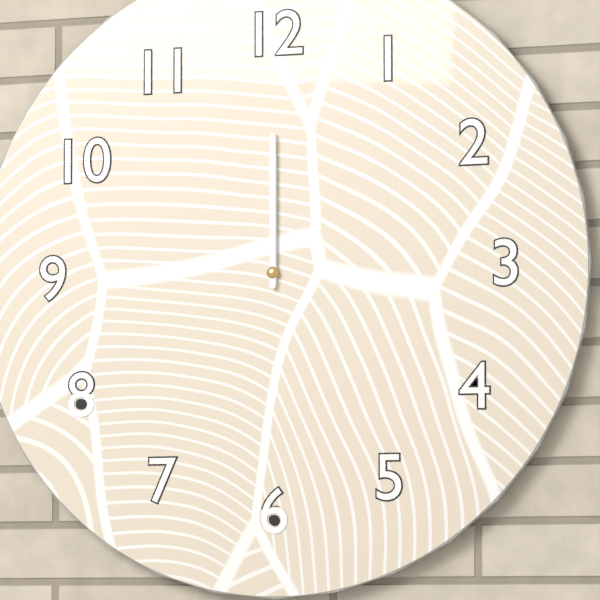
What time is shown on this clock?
12:00
